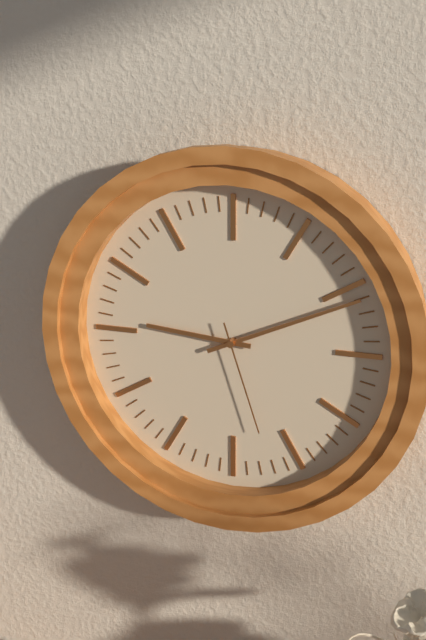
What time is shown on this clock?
9:11:27
